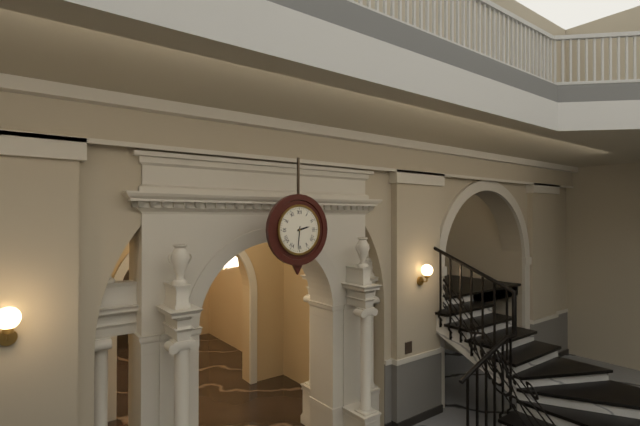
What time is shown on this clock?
2:31
